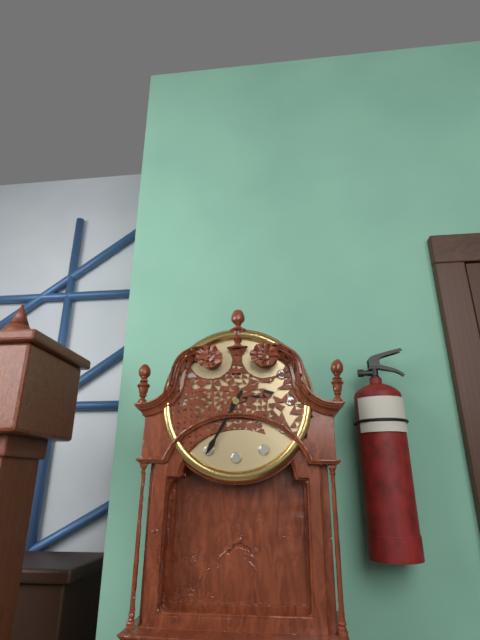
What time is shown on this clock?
2:35
